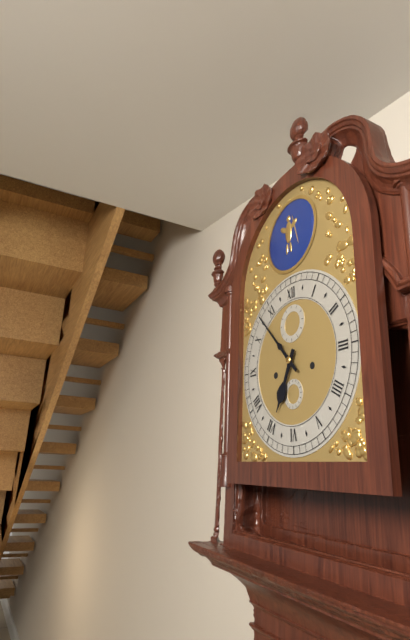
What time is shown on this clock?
6:53
